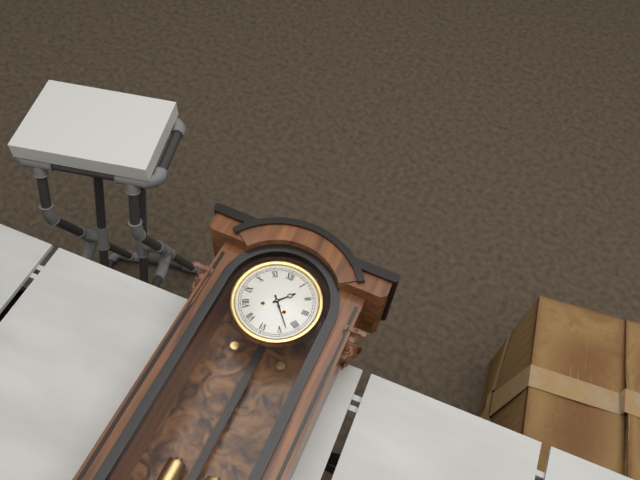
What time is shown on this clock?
1:23
